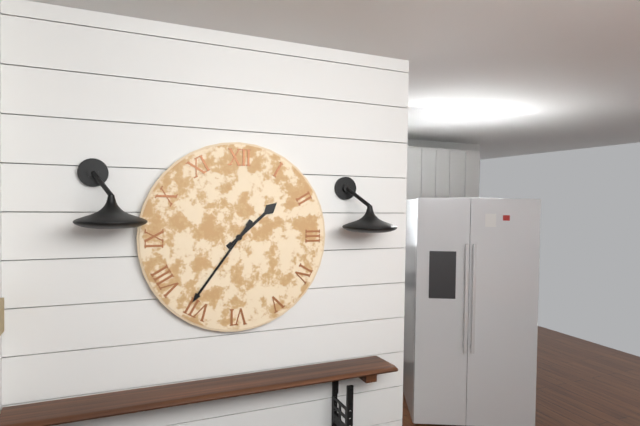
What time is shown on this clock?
1:36
